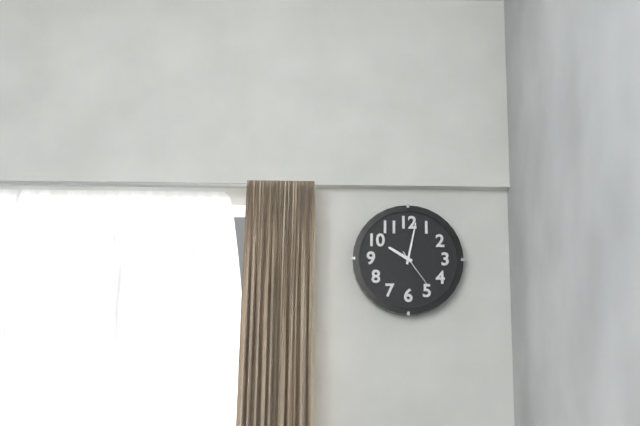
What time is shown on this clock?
10:02
